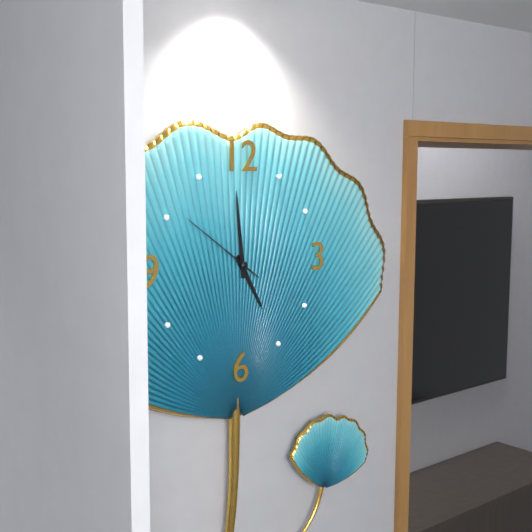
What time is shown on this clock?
4:59:51
